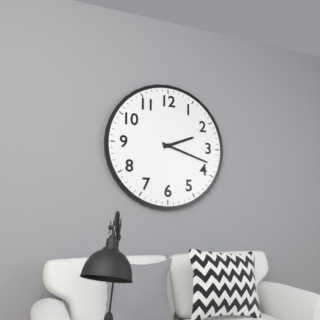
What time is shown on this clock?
2:18
